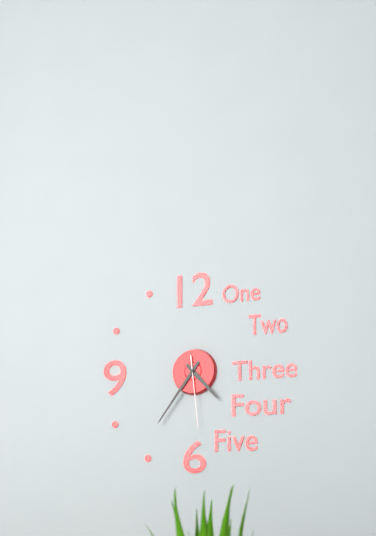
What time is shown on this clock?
4:36:29
